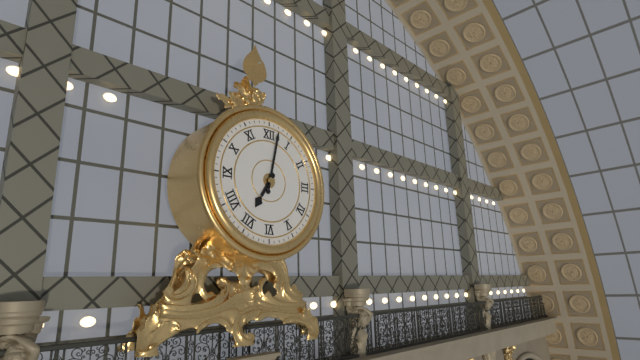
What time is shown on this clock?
7:02
